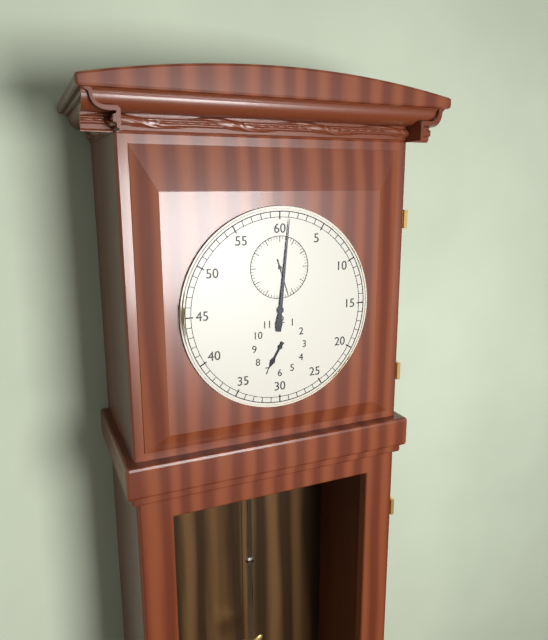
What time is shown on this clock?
7:01
